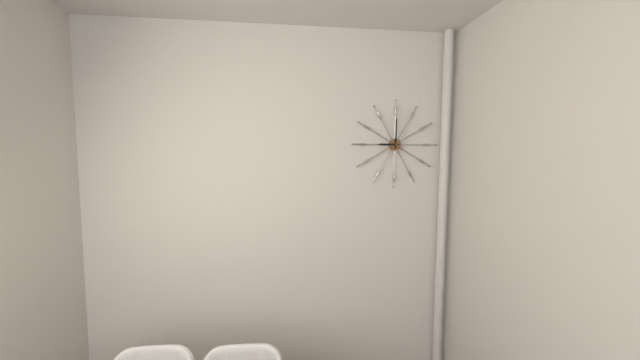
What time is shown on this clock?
9:00
